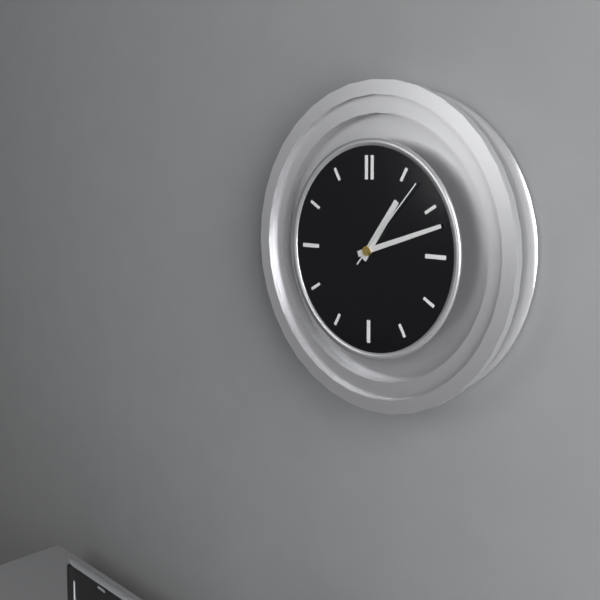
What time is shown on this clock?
1:12:07
